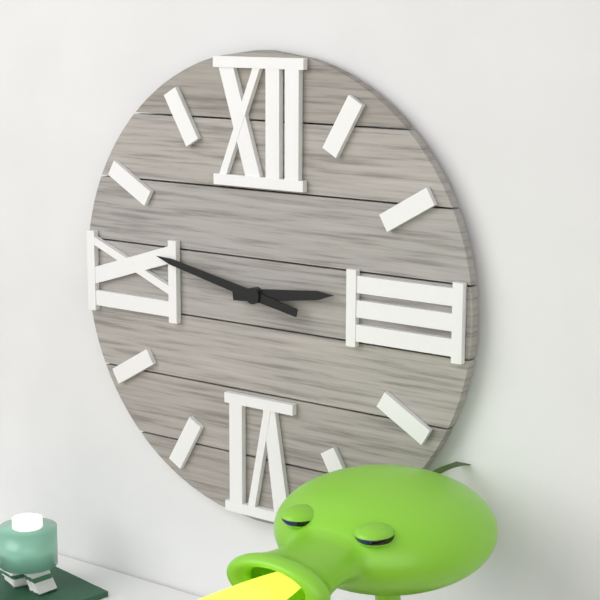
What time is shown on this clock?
2:47
